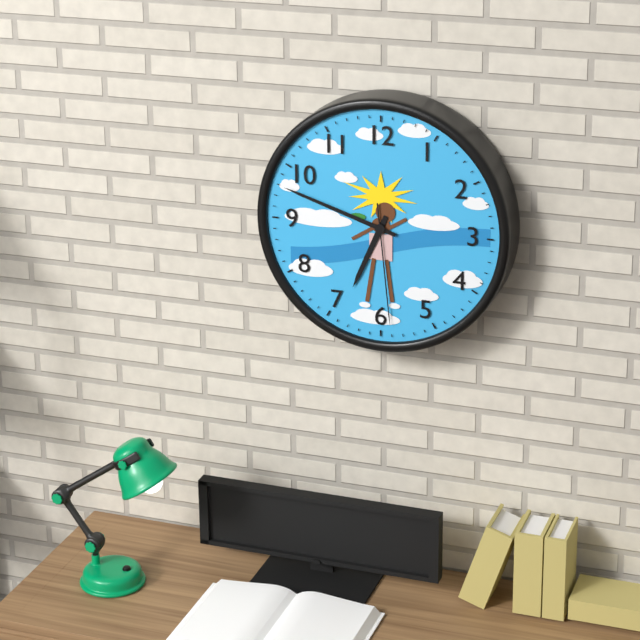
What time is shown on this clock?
6:48:29
